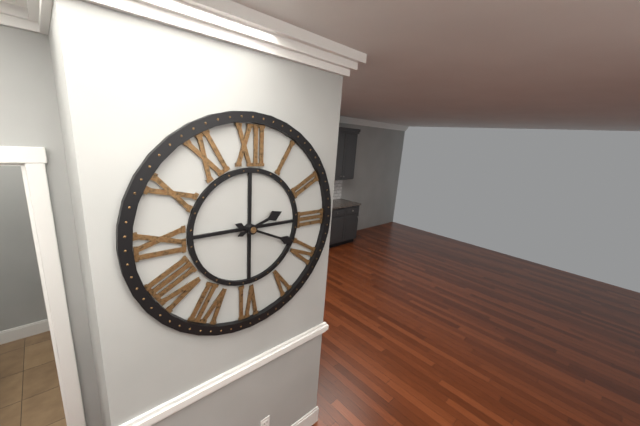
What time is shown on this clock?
2:19
